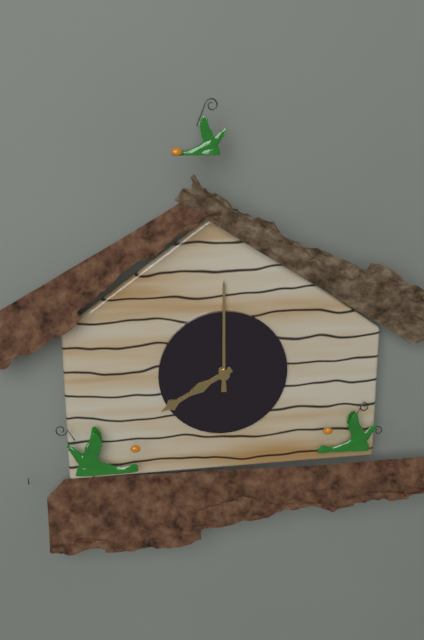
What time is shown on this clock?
8:00
